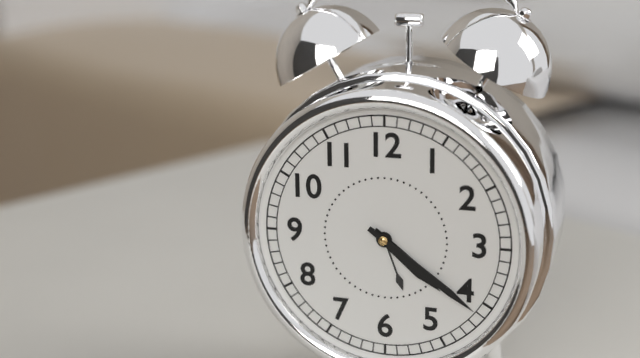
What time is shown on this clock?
4:21
